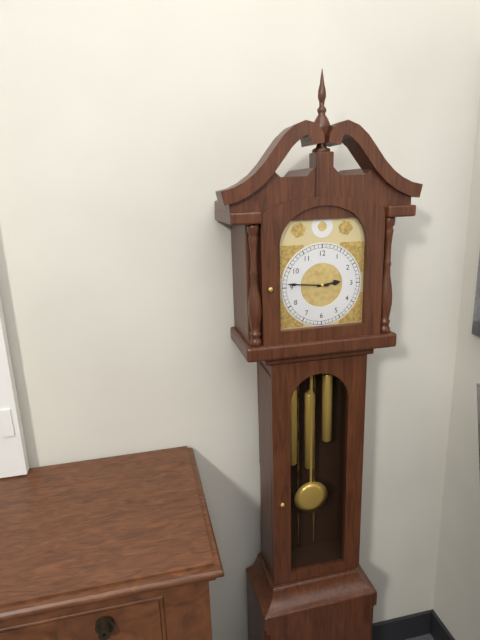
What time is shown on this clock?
2:46
